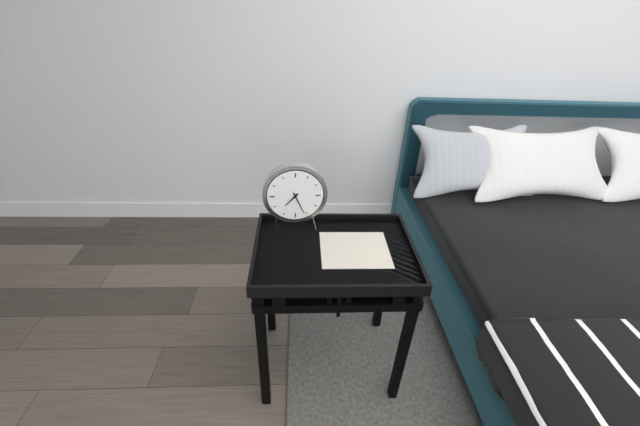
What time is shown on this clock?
7:26
